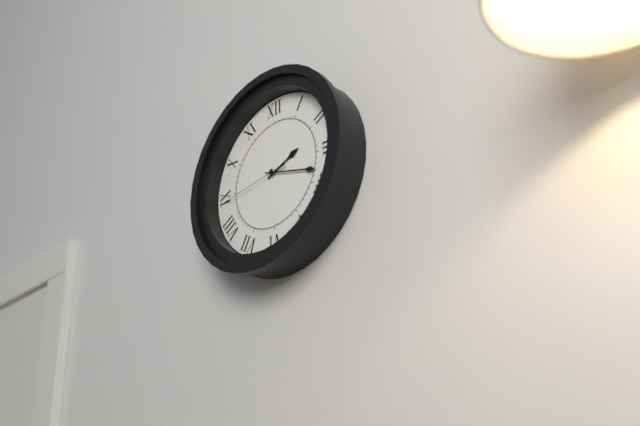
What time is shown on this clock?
2:18:44
